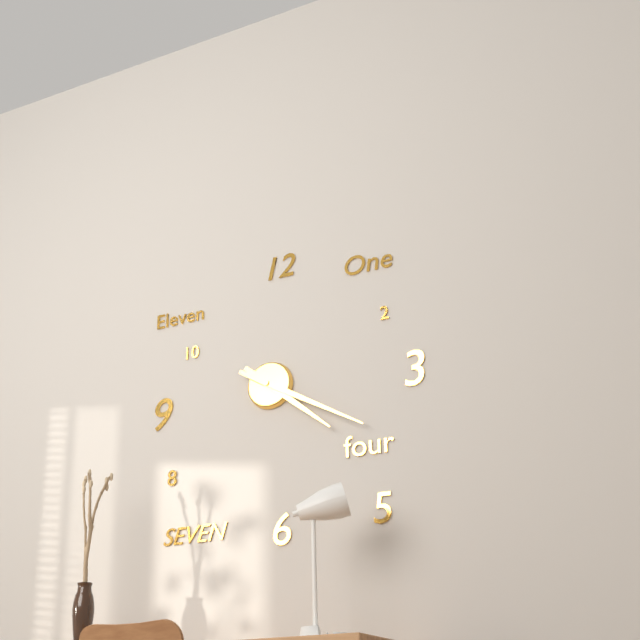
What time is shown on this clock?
4:20
